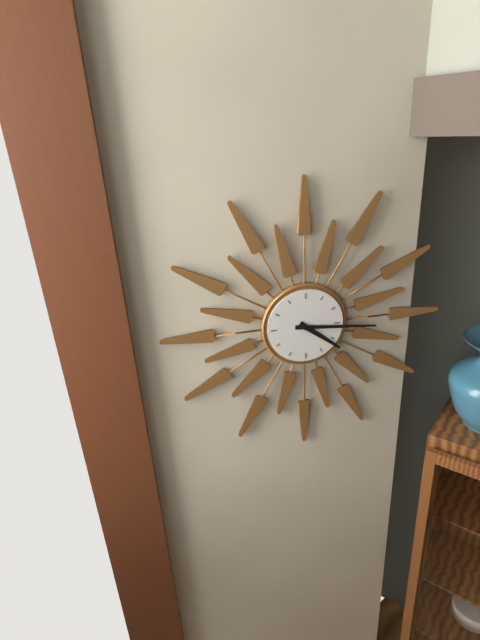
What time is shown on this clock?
4:16
